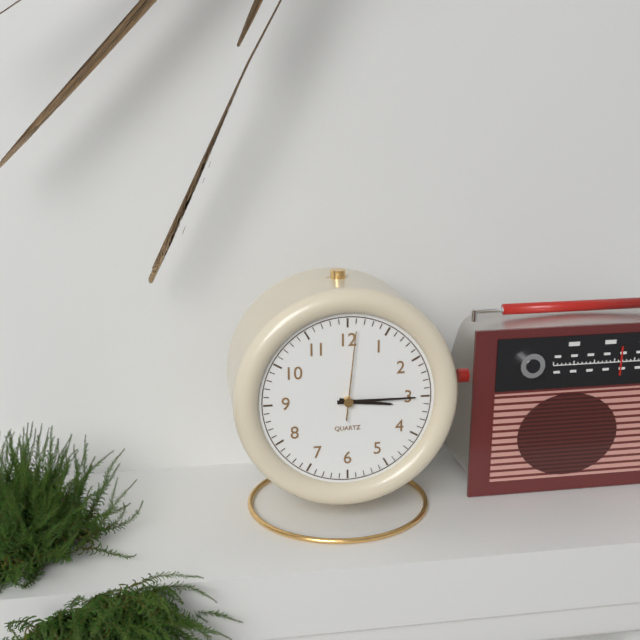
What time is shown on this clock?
3:15:01
